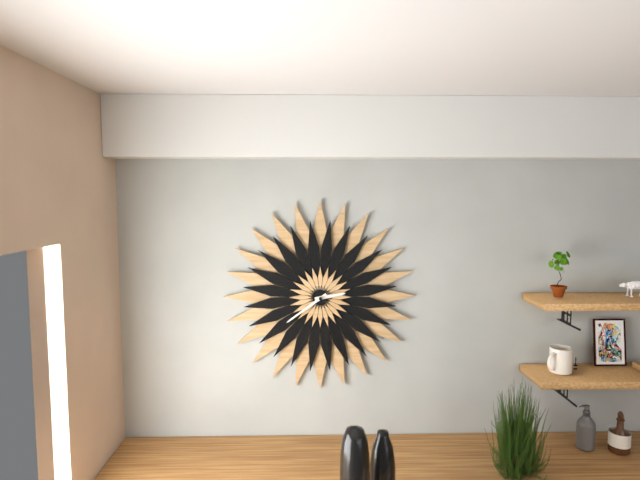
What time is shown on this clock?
2:39
